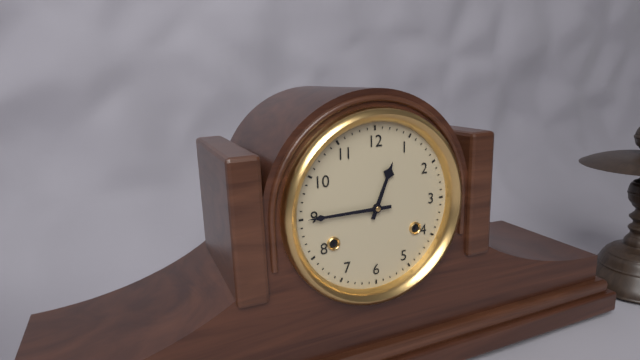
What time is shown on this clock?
12:45
